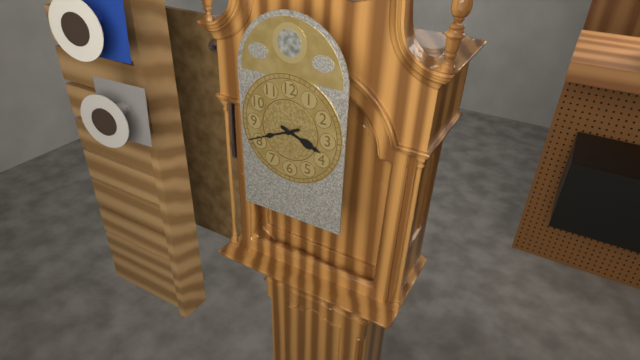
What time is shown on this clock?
3:41
